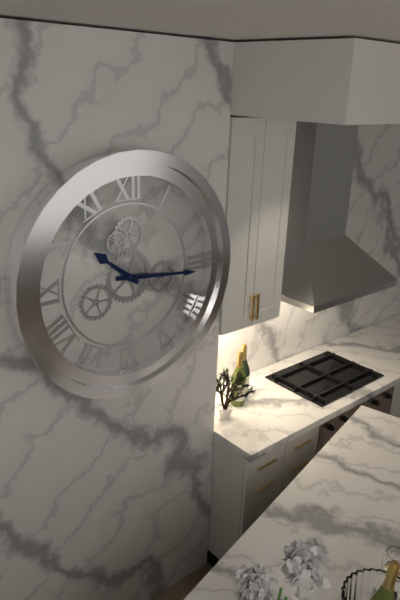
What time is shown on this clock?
10:16
